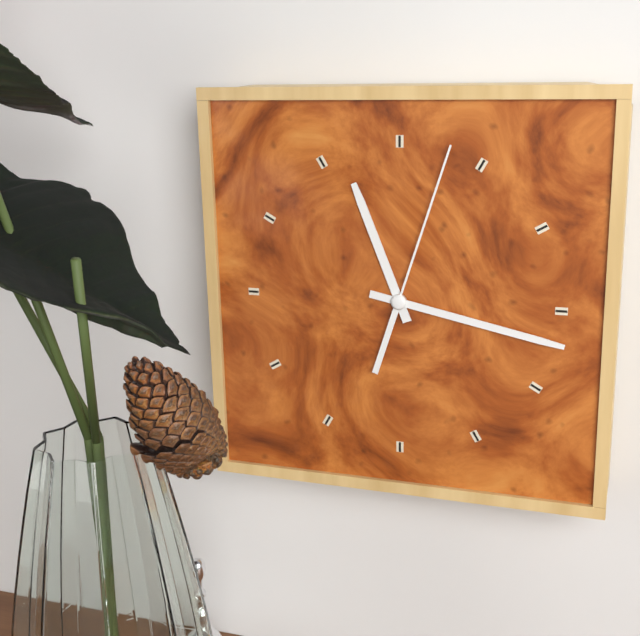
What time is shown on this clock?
11:17:03
